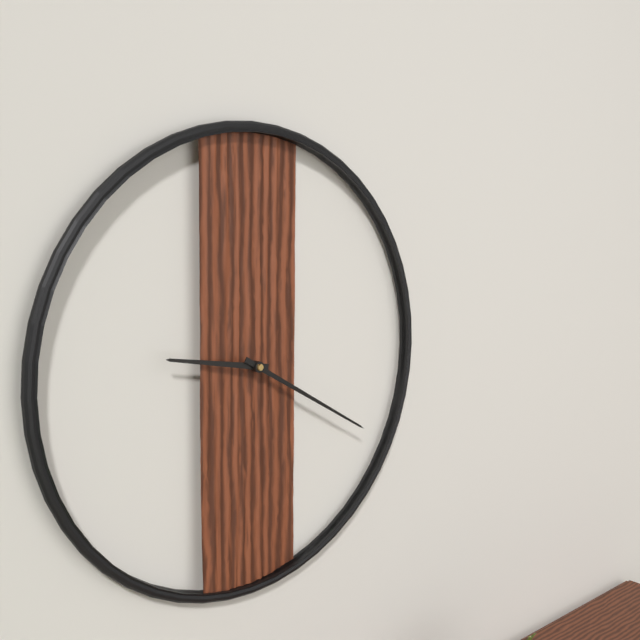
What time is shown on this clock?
9:20
